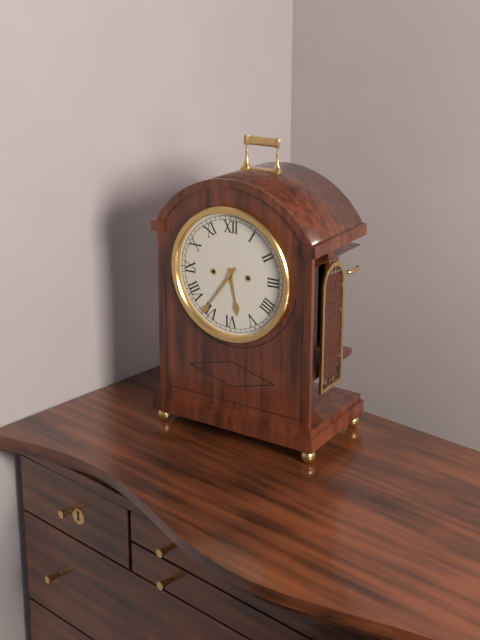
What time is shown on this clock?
5:36
